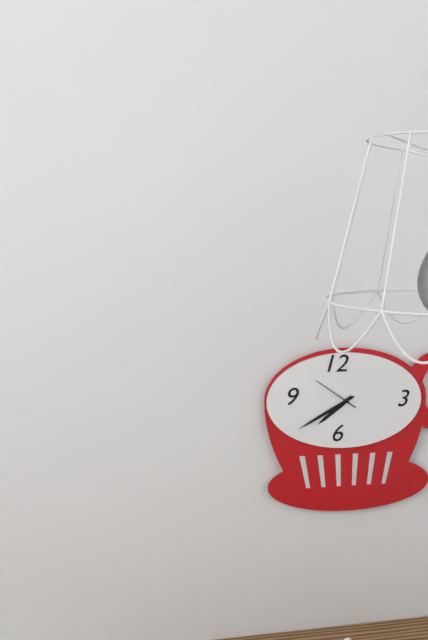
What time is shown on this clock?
7:40
